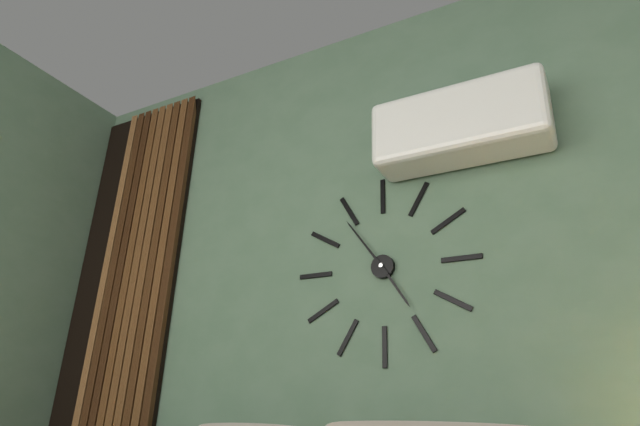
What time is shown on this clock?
4:54
